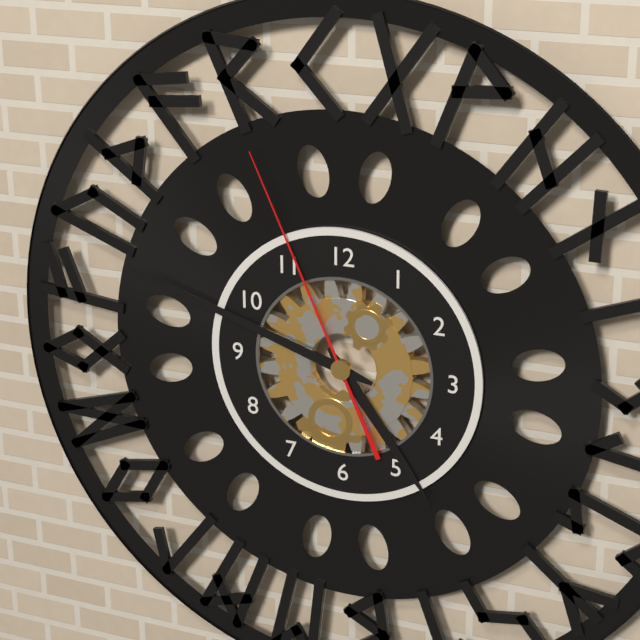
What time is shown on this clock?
4:48:56
